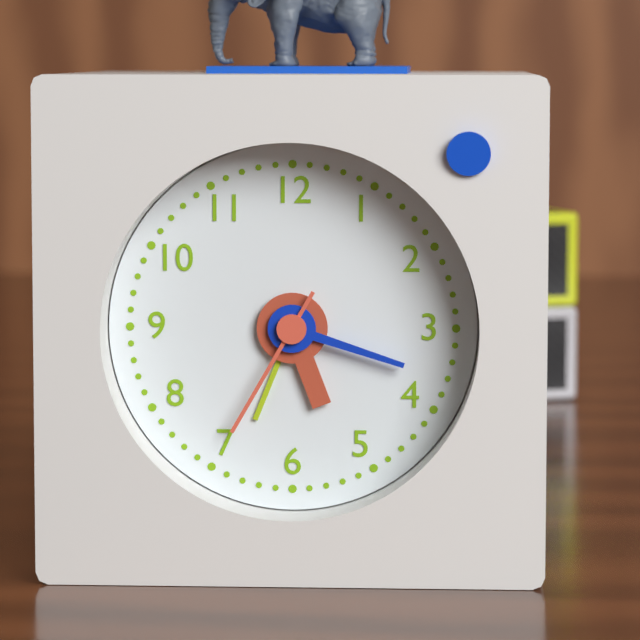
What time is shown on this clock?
5:18:35
